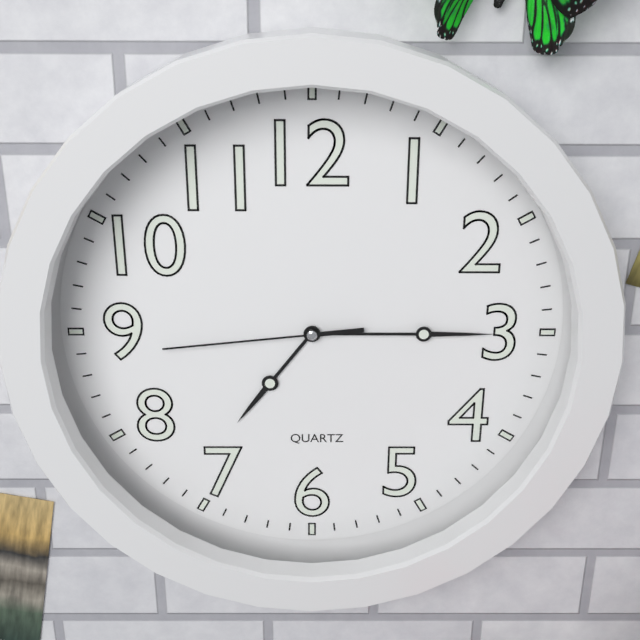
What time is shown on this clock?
7:15:44
